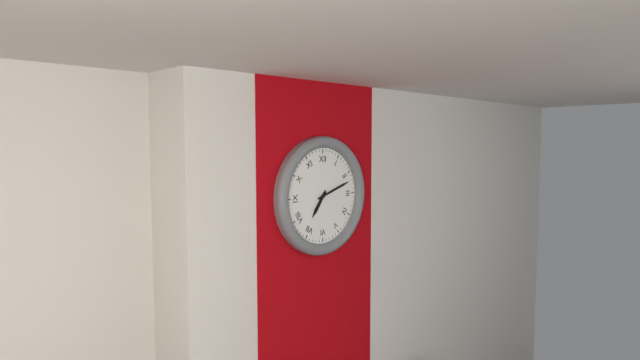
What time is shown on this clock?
7:12
